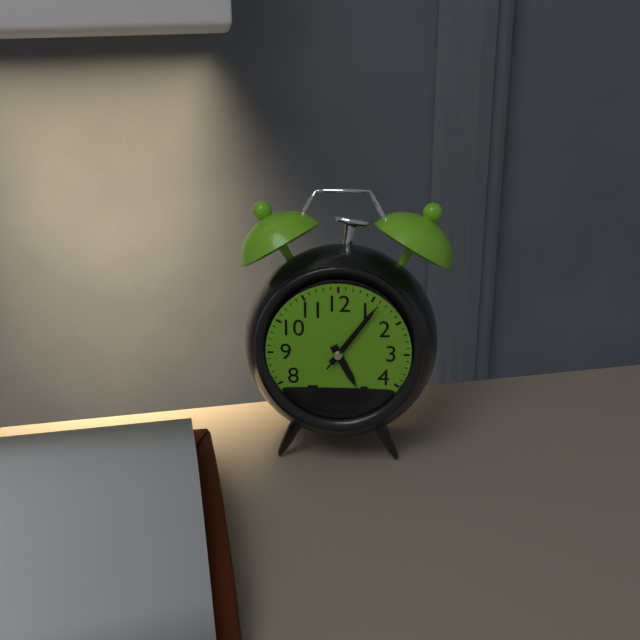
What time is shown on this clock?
5:06:06
